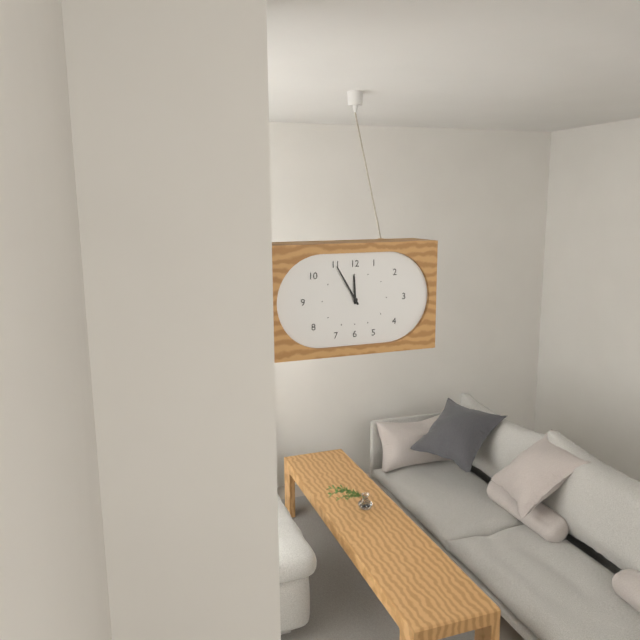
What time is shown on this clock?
11:55
